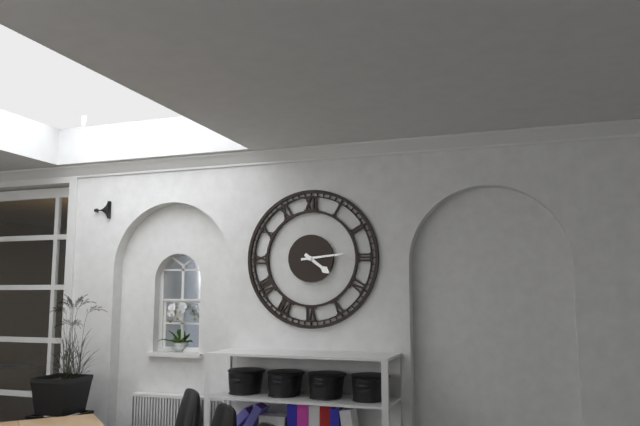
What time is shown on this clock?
4:14
